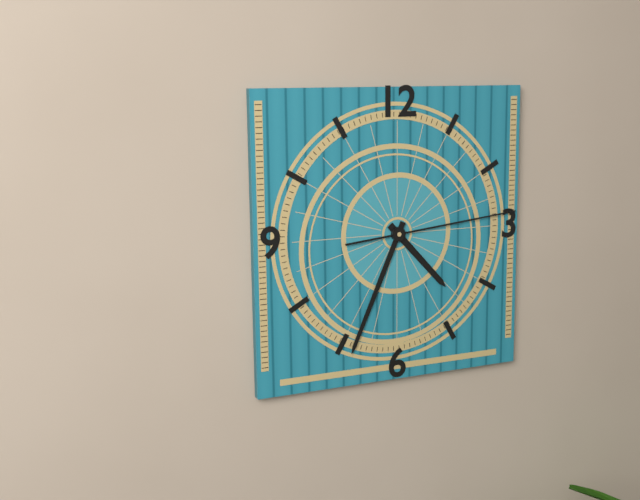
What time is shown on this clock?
4:34:14
